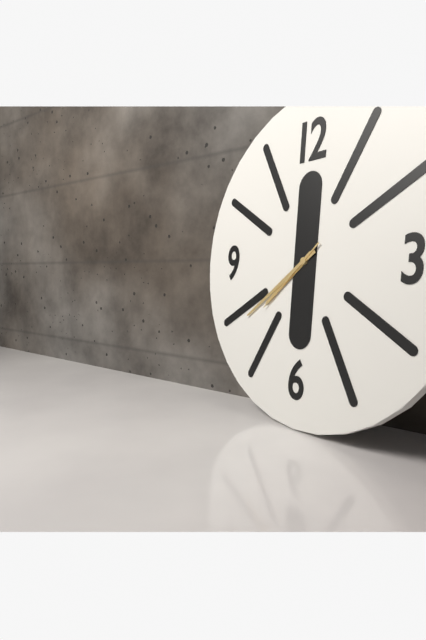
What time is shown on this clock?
7:39:38
